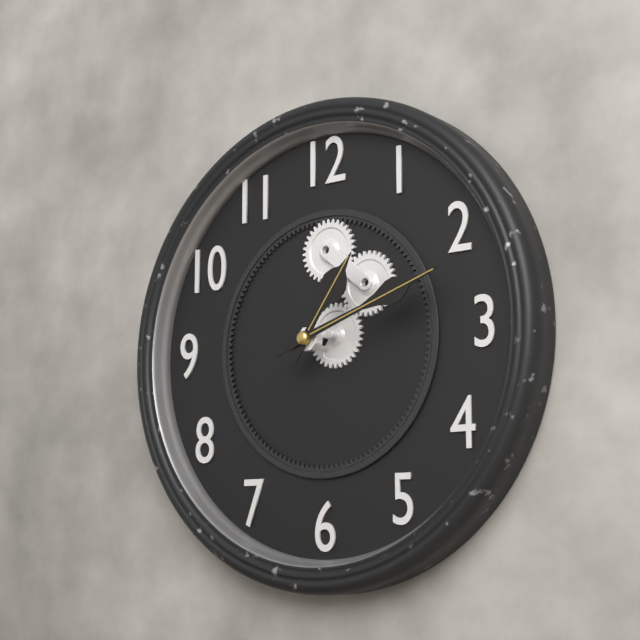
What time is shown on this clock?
1:12
